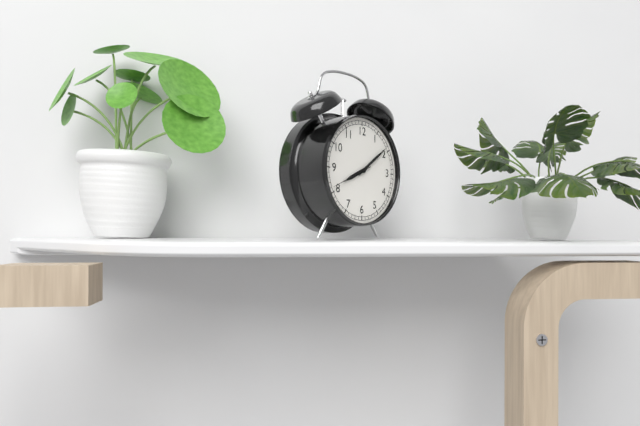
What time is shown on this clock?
8:09
